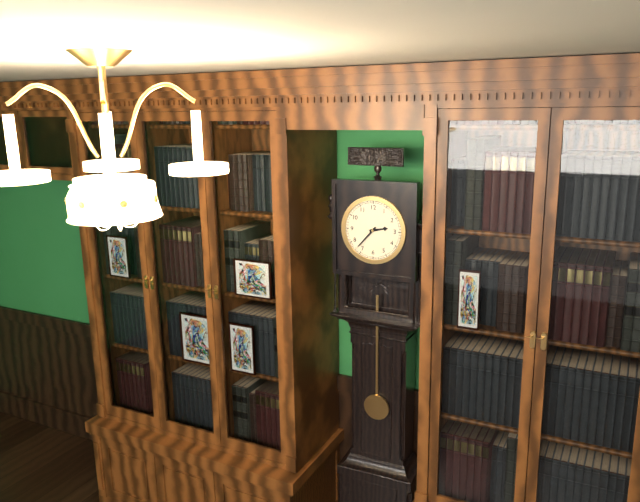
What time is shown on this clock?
2:37
